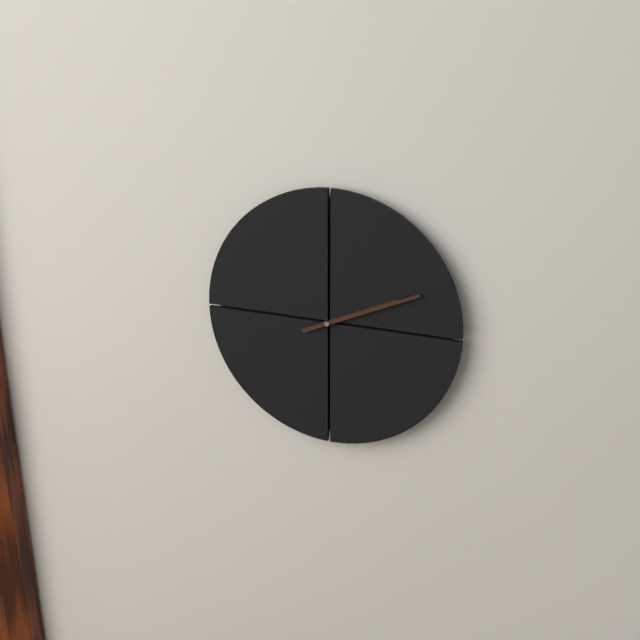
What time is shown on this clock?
2:11
